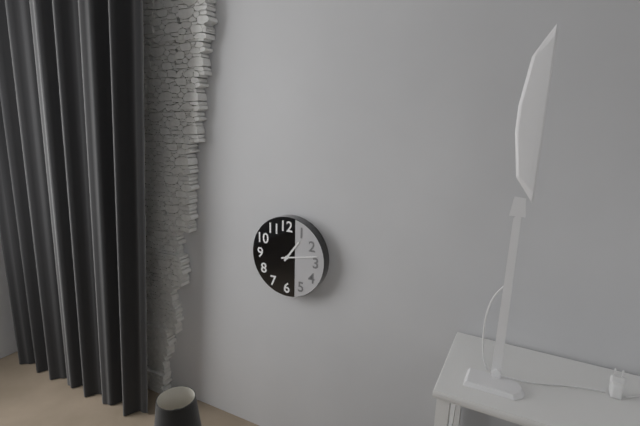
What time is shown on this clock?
1:13
